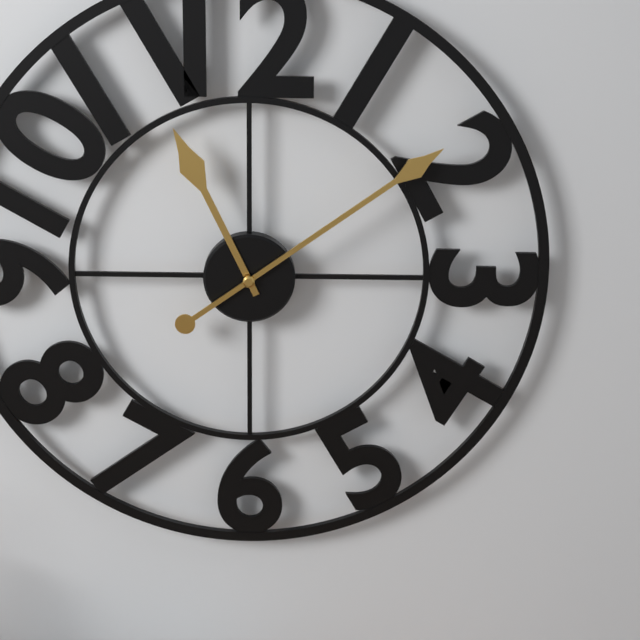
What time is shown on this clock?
11:09
